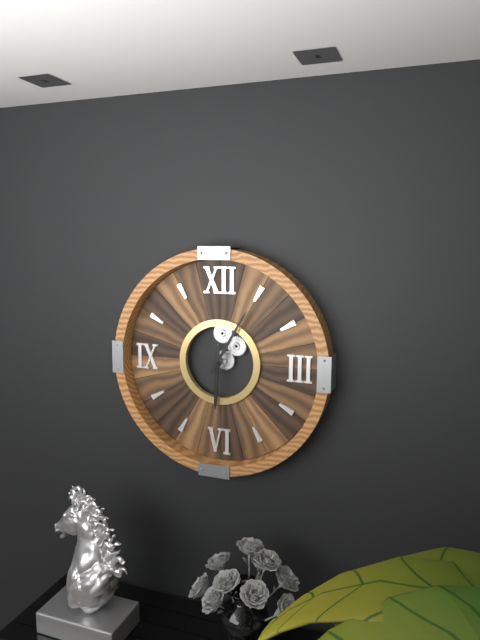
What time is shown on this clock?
6:05
